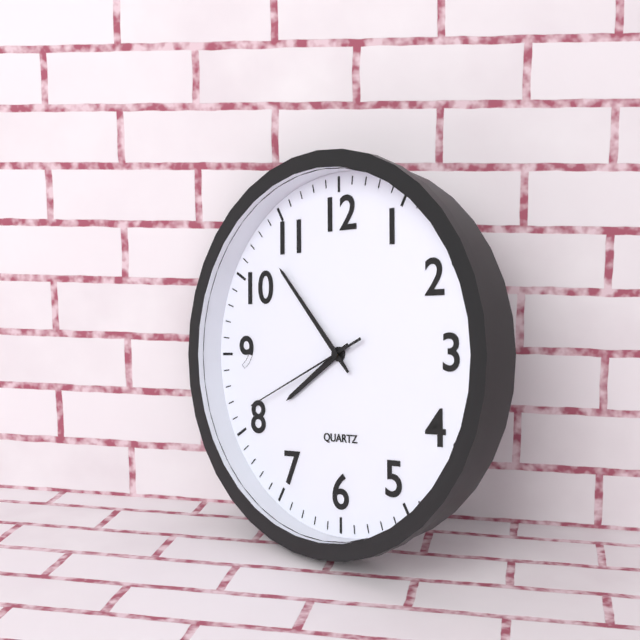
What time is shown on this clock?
7:53:41
